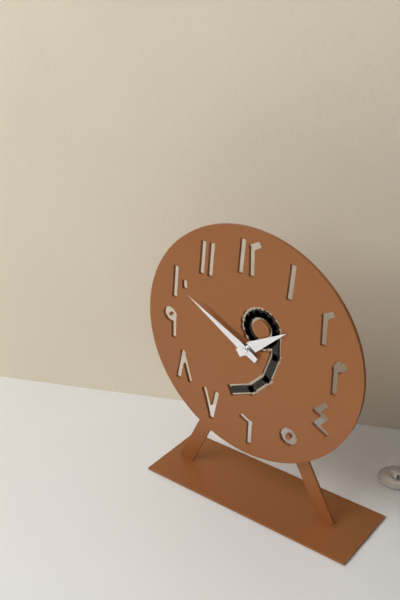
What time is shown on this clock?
1:50
